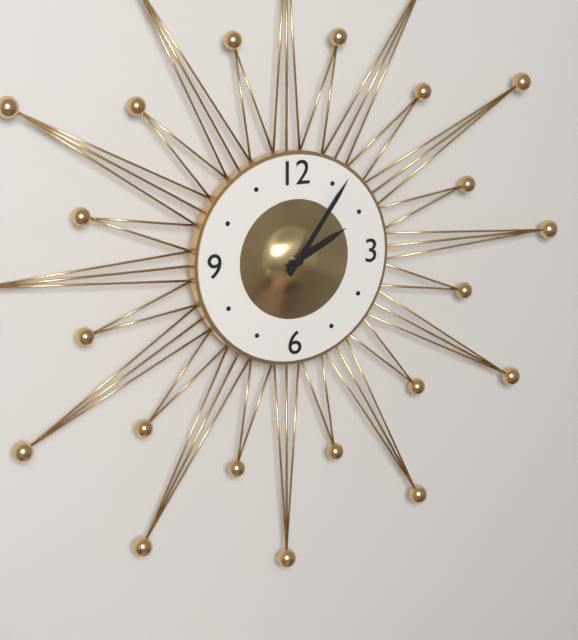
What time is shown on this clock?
2:06
